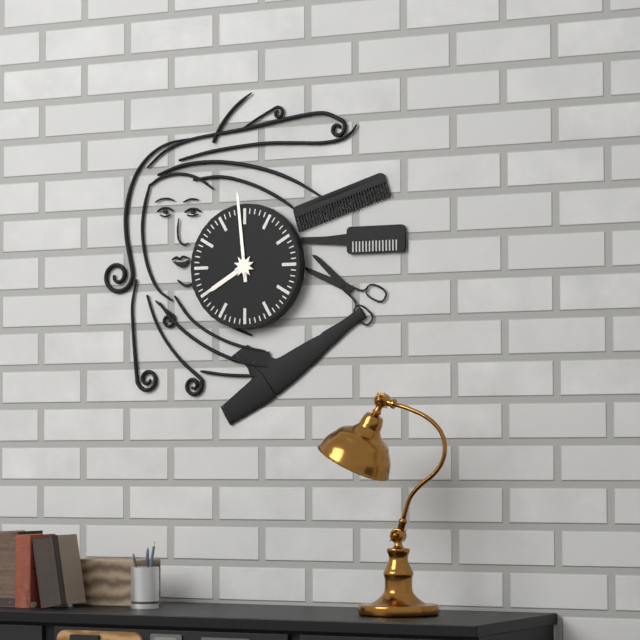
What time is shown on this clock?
7:59
